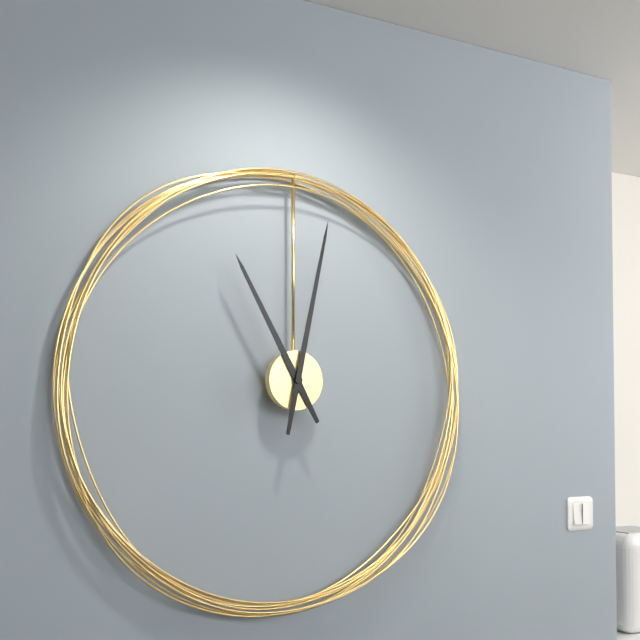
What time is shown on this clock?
11:02
